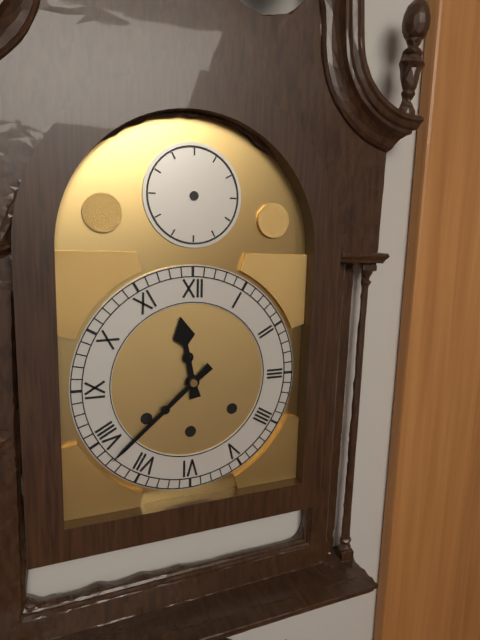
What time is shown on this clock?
11:38
